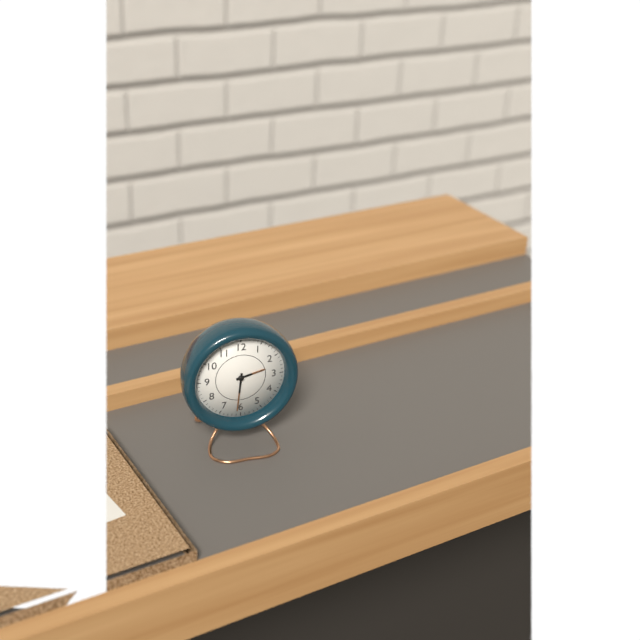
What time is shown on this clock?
2:31
